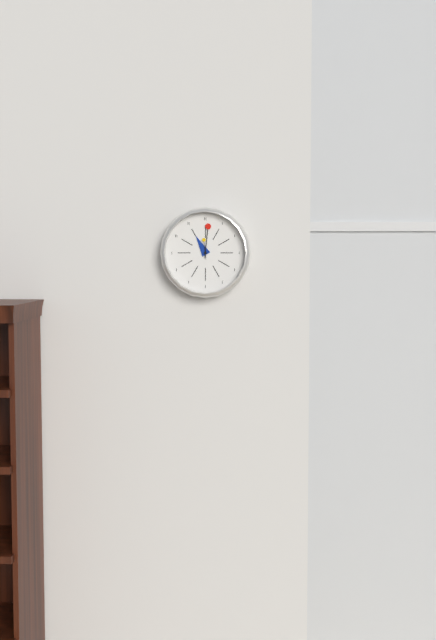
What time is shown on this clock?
11:01
